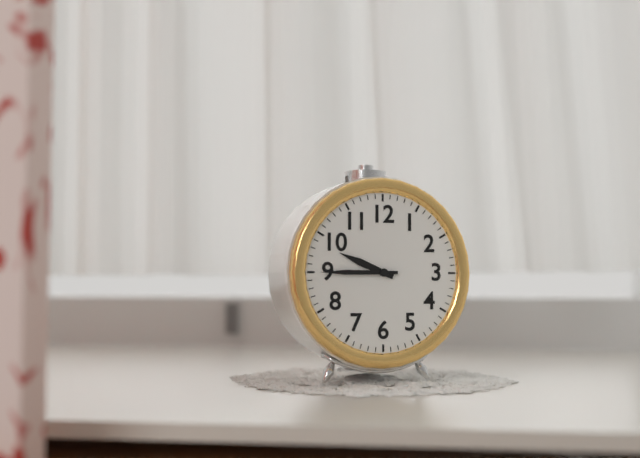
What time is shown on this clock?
9:45
